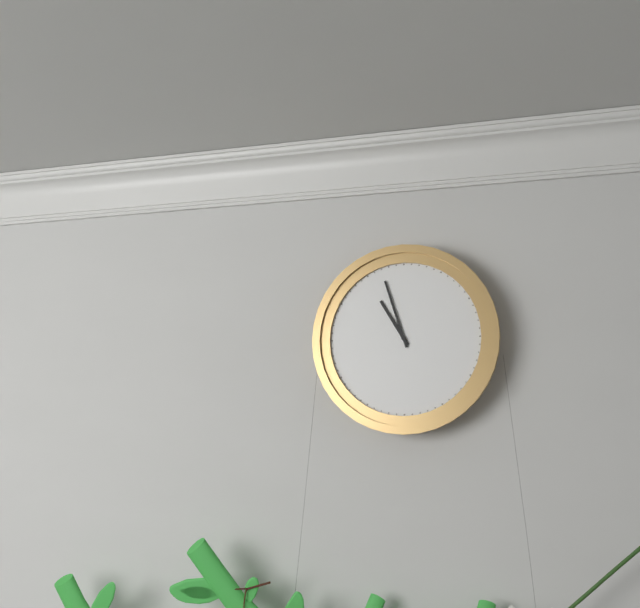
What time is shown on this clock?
10:57
